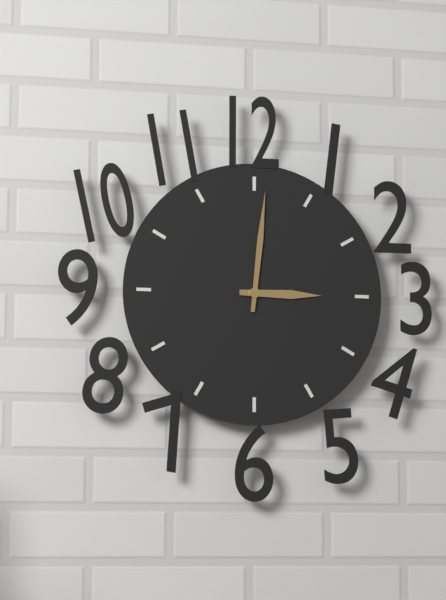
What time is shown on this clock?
3:01
